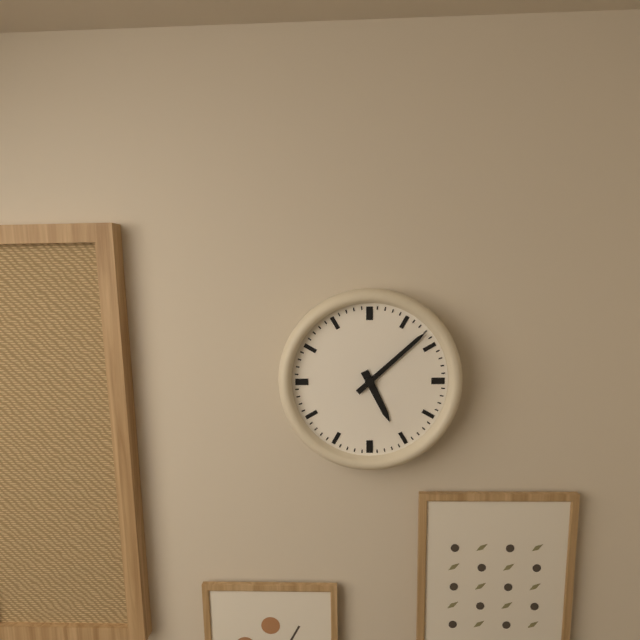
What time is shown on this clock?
5:08
